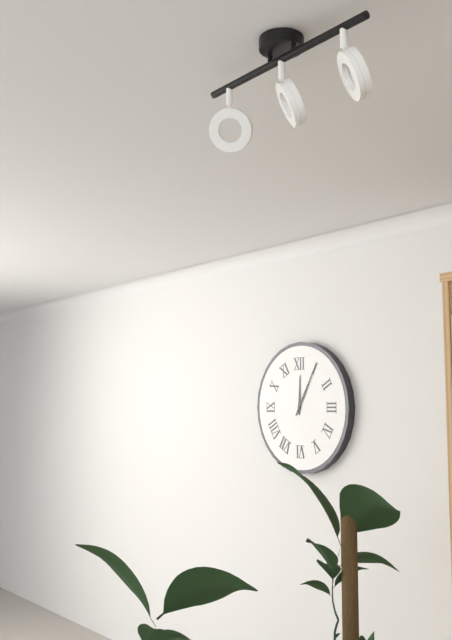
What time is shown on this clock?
12:05
